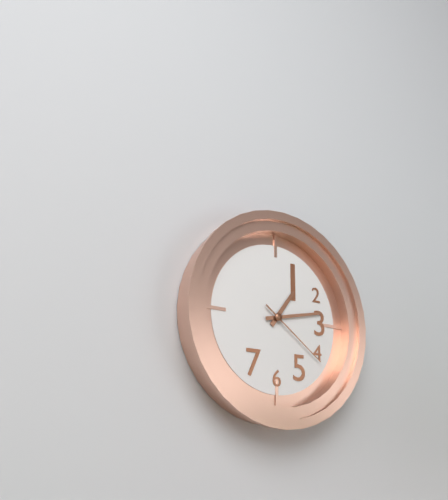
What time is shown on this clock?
1:13:21
